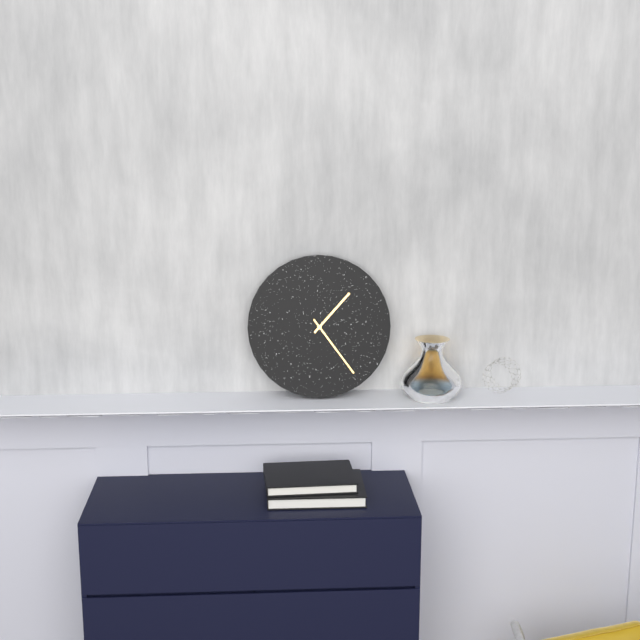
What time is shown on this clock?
1:24
